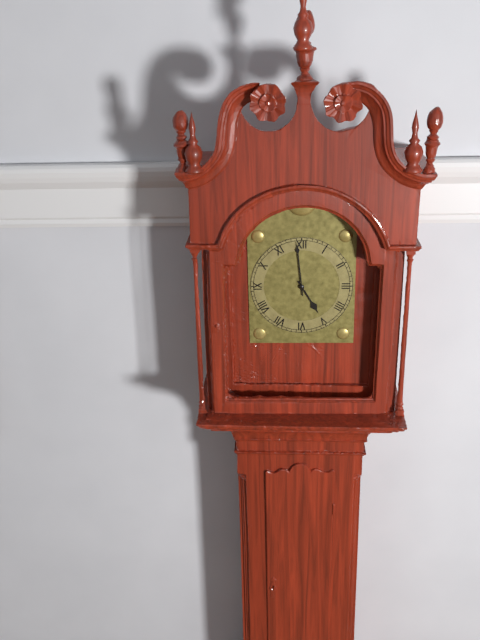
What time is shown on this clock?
4:59
